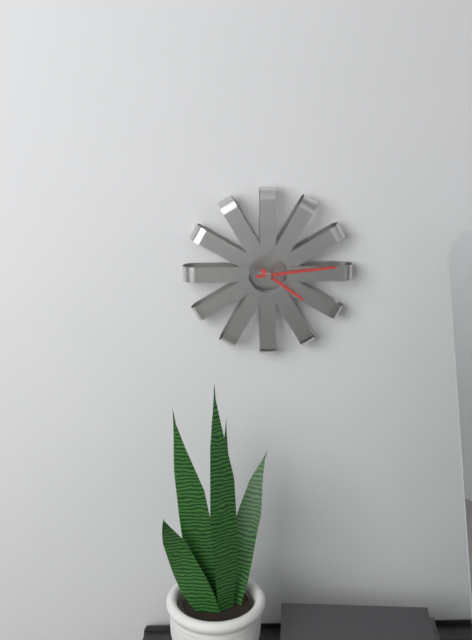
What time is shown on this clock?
4:14
